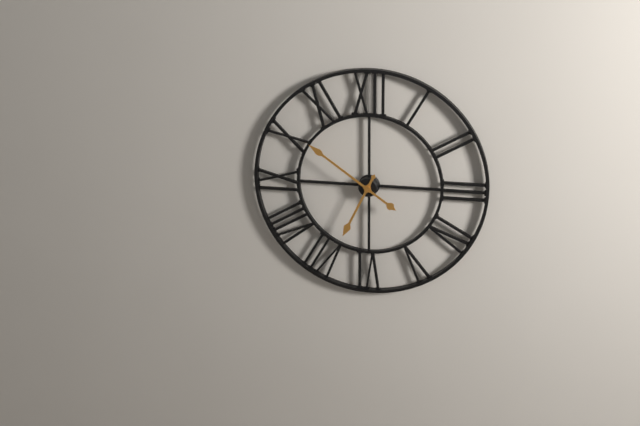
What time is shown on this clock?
6:51
